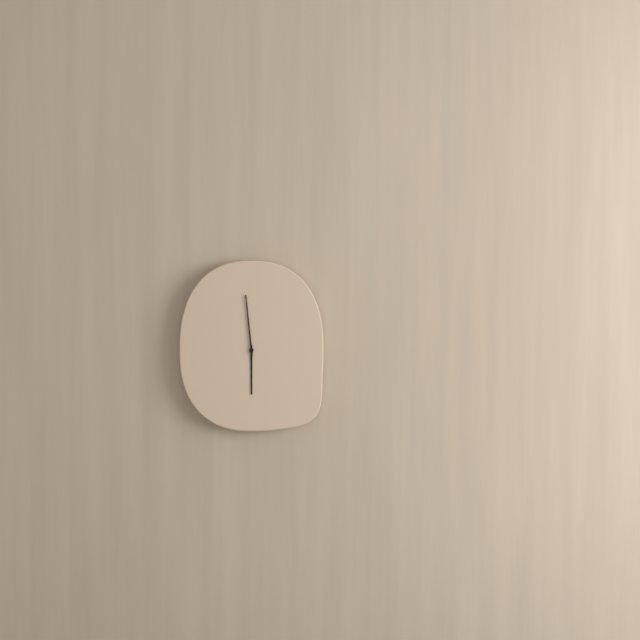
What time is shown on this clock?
5:59
